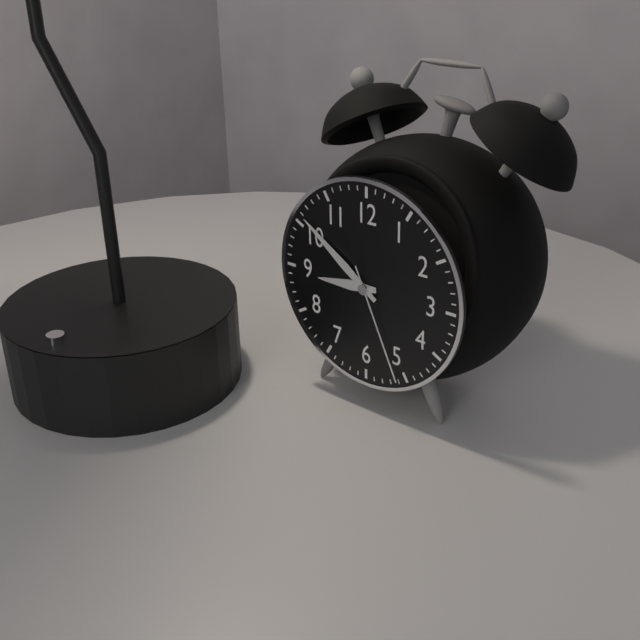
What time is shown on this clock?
8:51:26
